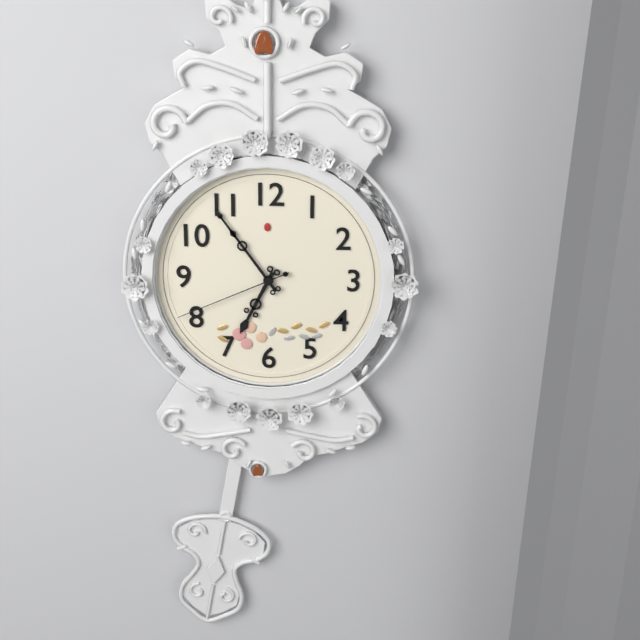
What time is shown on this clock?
6:54:41
